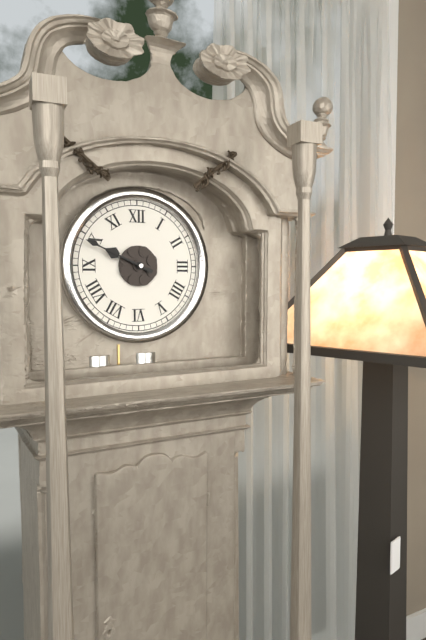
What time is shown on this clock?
9:49
